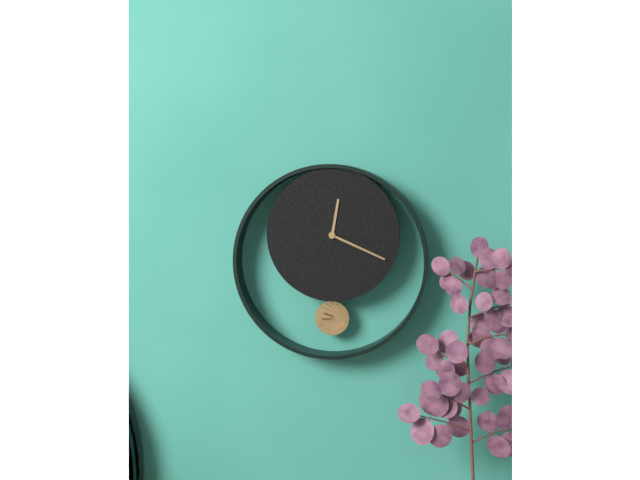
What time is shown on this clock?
12:19
